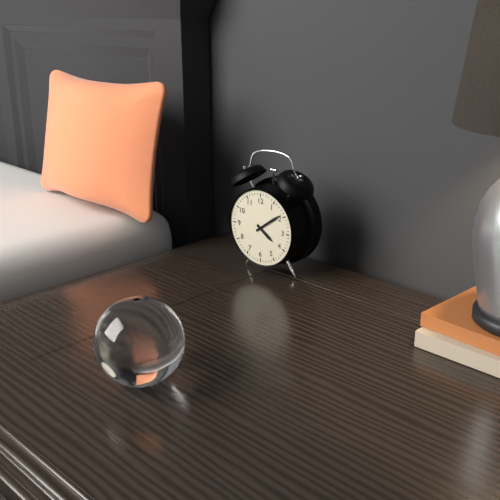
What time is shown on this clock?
4:09
